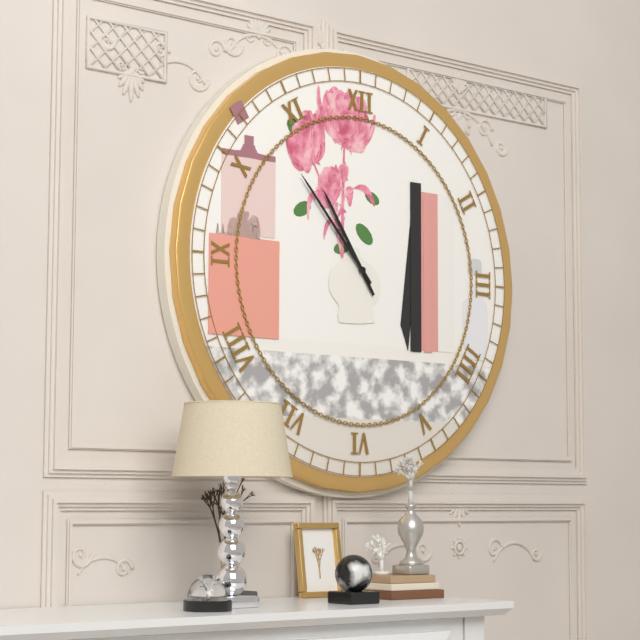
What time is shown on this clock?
10:53
